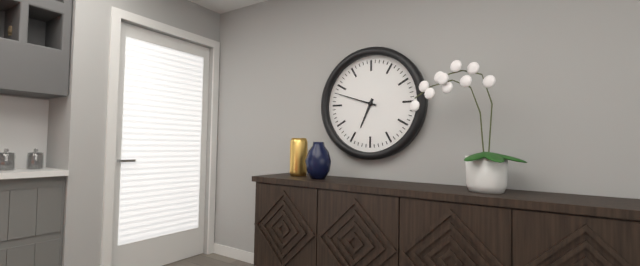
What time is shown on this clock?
6:48
